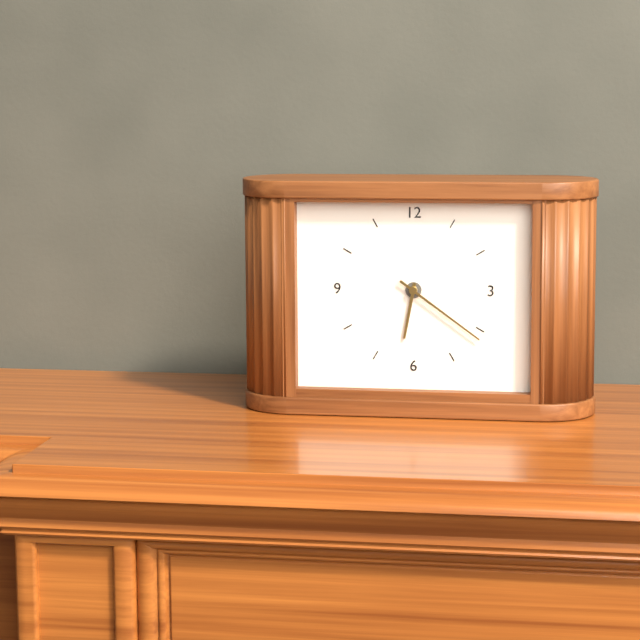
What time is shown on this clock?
6:21
